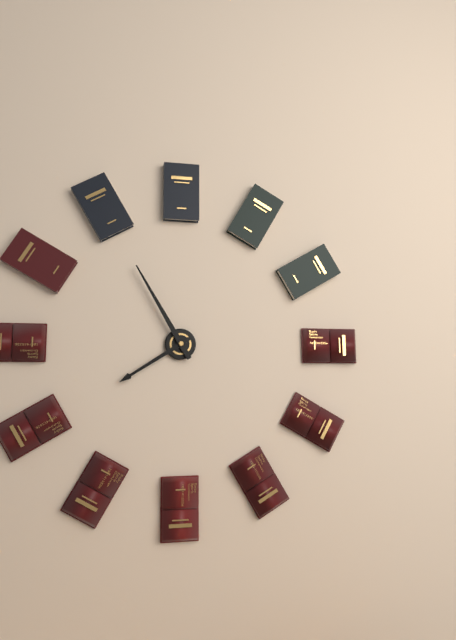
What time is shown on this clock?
7:55
